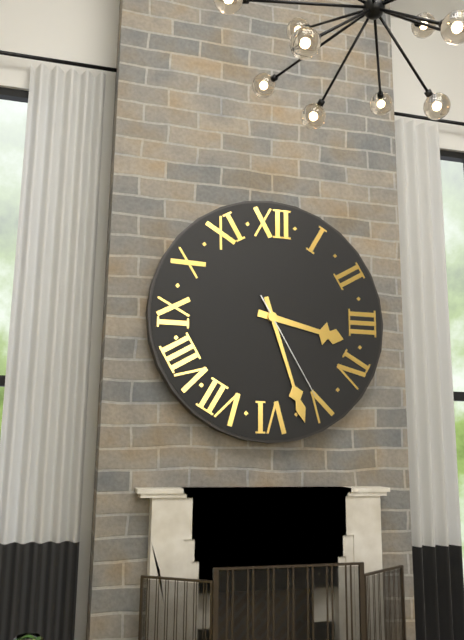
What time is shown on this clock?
3:27:25
